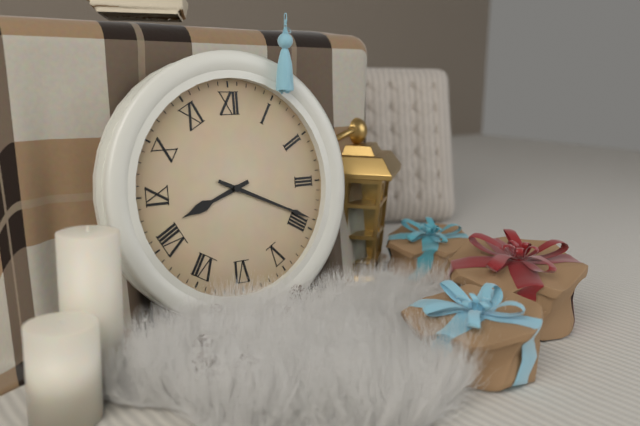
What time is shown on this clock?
8:19
